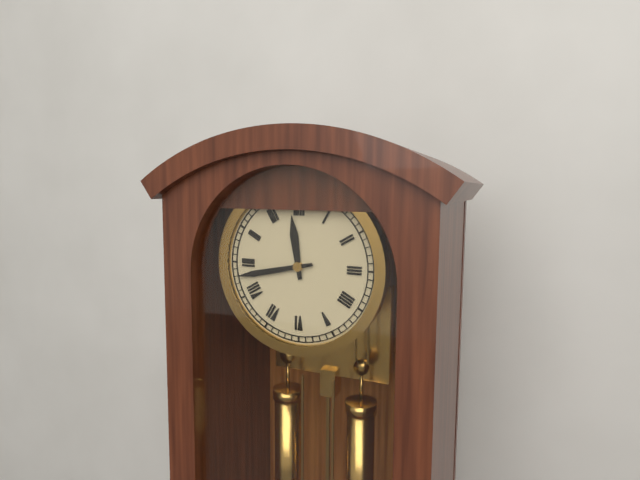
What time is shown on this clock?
11:43
